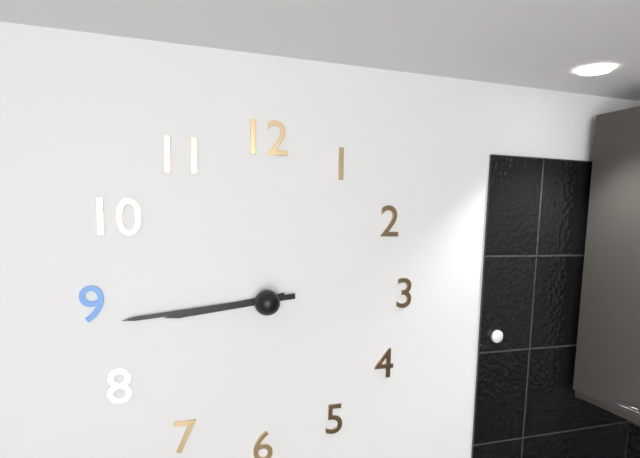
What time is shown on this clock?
8:44
